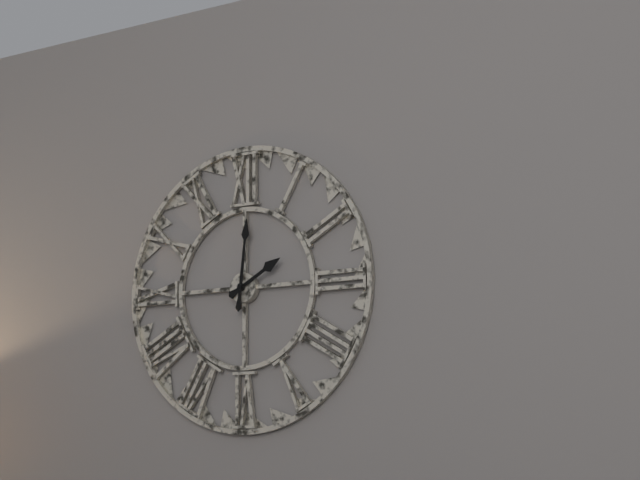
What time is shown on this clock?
2:01
